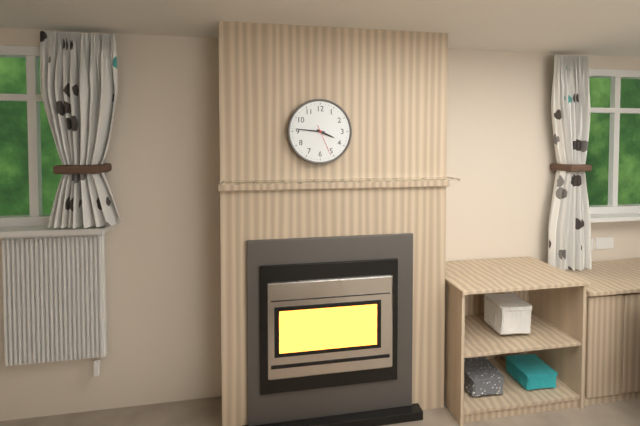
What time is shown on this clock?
3:46
